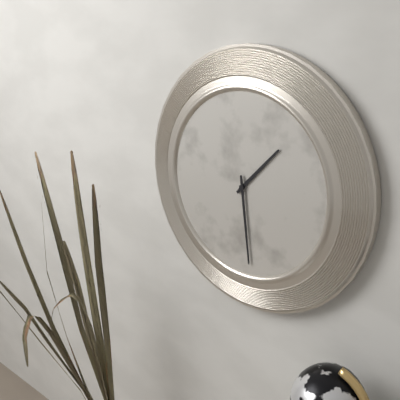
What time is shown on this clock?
1:29
